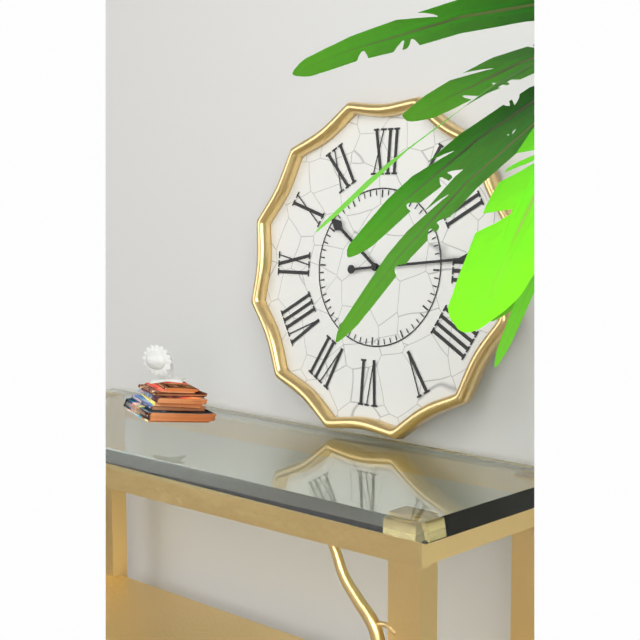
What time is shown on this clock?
10:14
